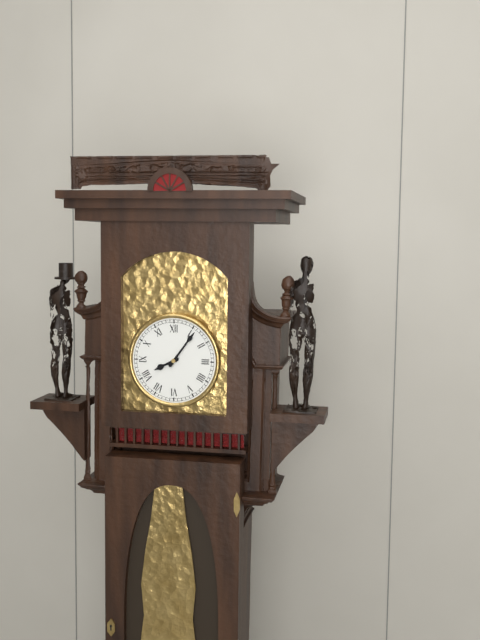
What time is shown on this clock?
8:06
